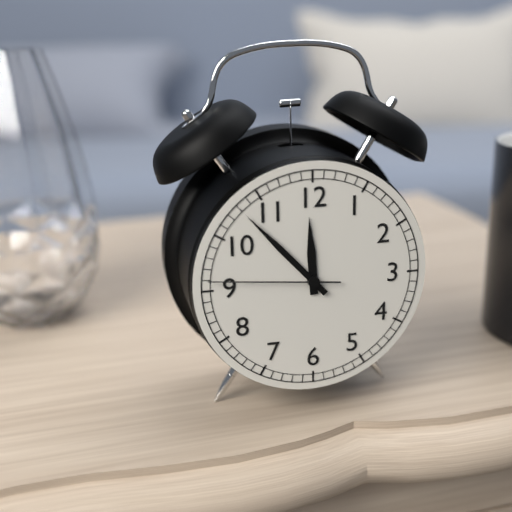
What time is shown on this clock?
11:53:46
